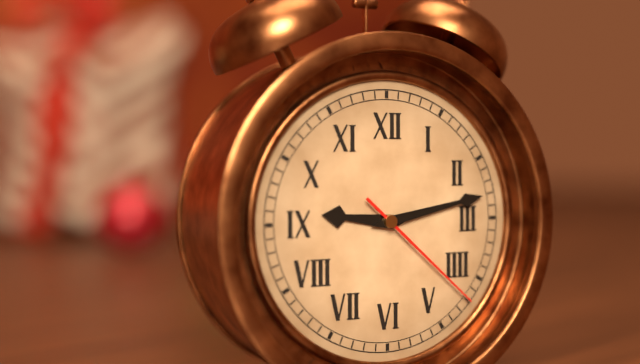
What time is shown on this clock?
9:13:22
